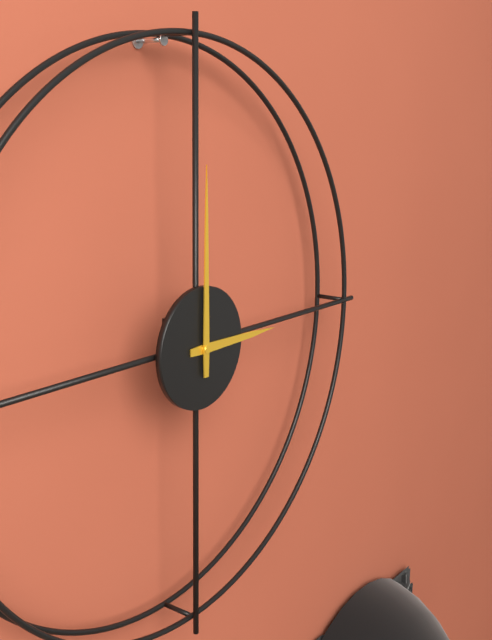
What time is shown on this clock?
3:00
